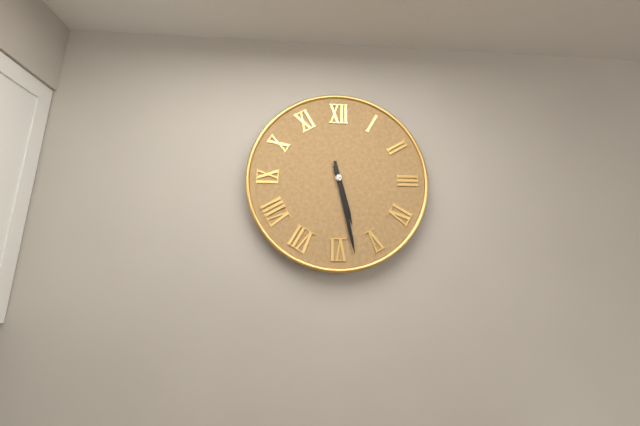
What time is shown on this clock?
5:28
